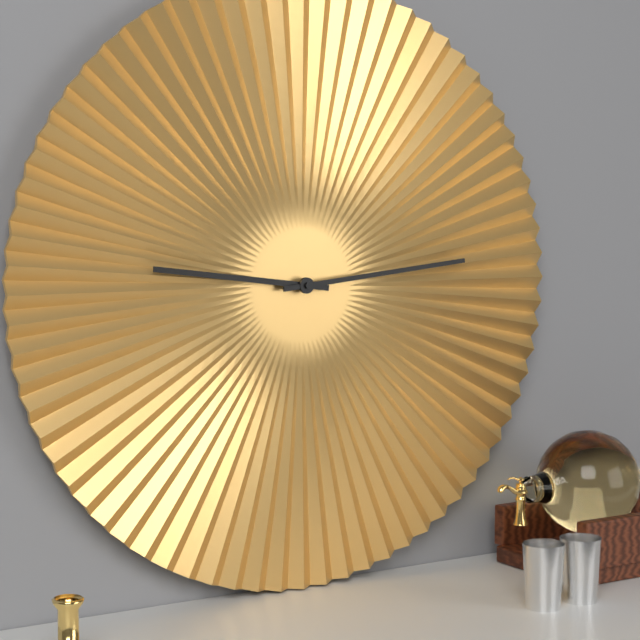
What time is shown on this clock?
9:14
